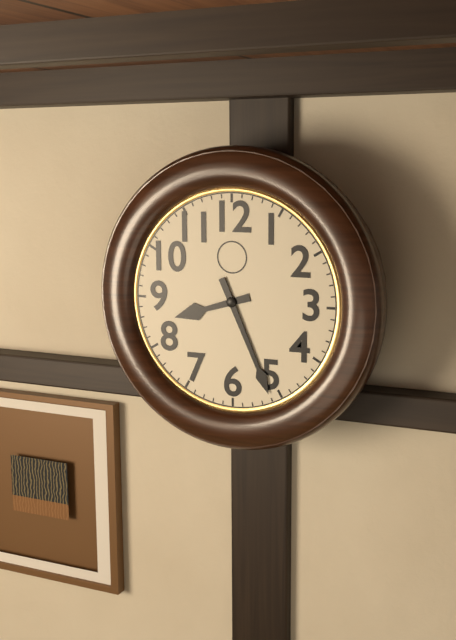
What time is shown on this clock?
8:26
